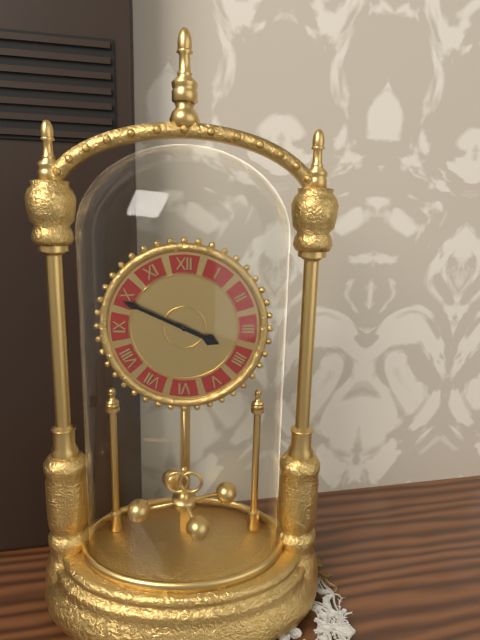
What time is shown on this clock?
3:49
